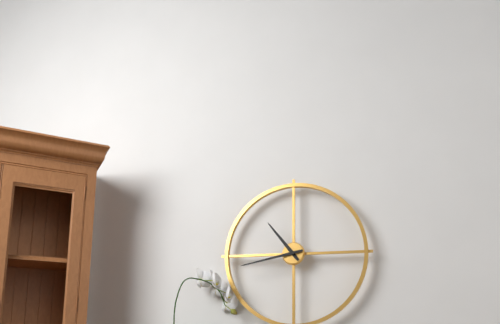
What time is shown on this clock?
10:43
